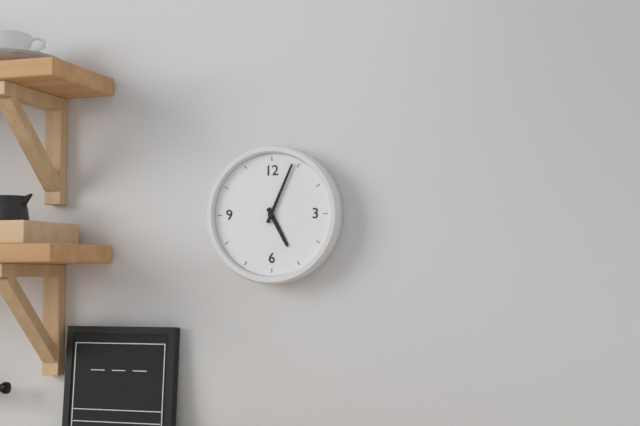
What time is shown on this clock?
5:04
